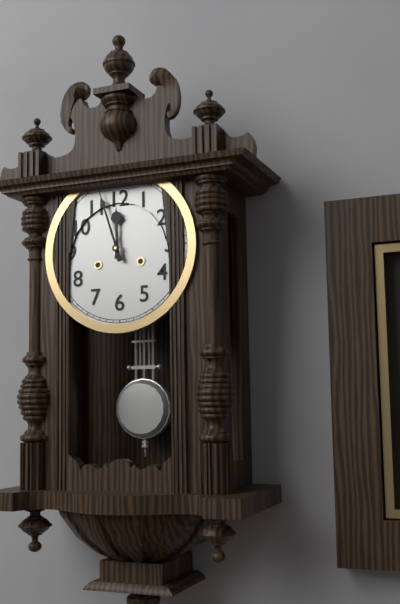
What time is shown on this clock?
11:57
